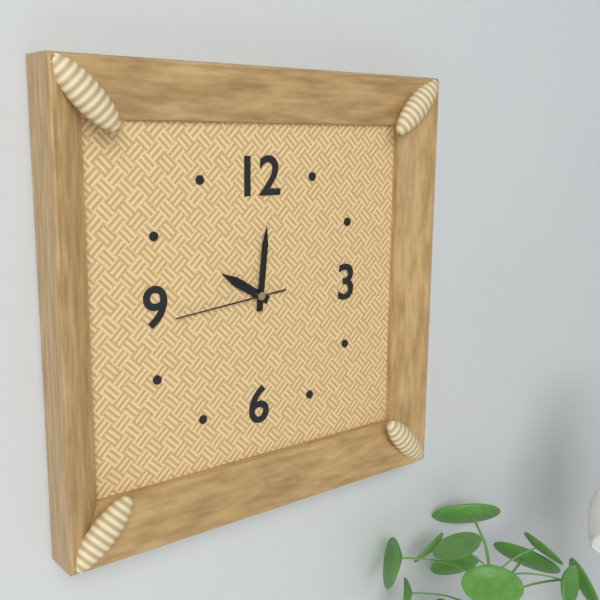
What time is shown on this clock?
10:01:44
